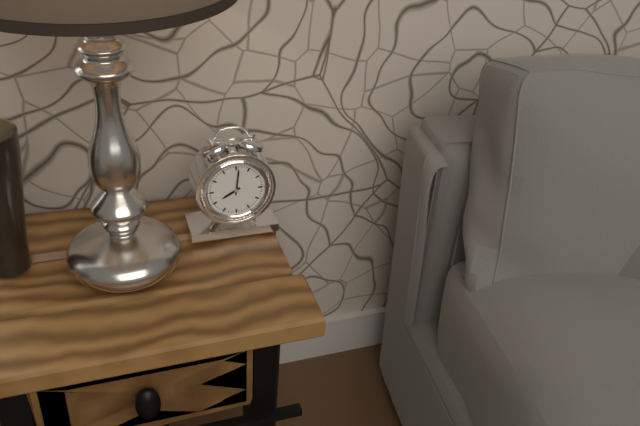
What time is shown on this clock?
8:01
